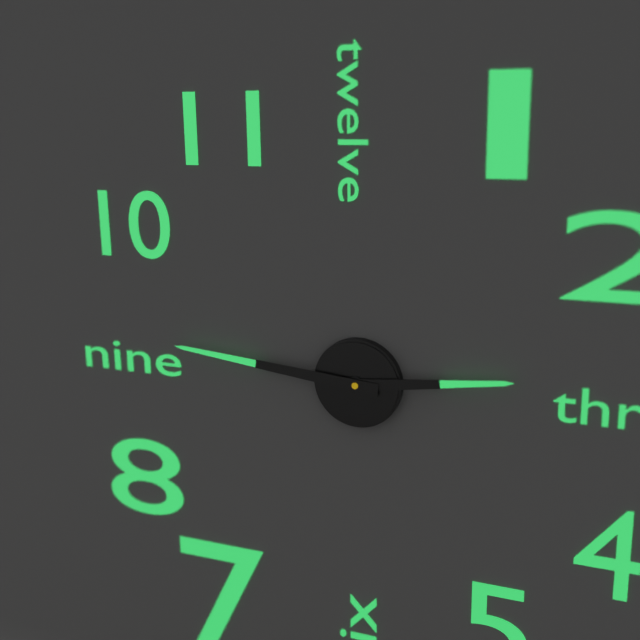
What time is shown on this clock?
2:46
